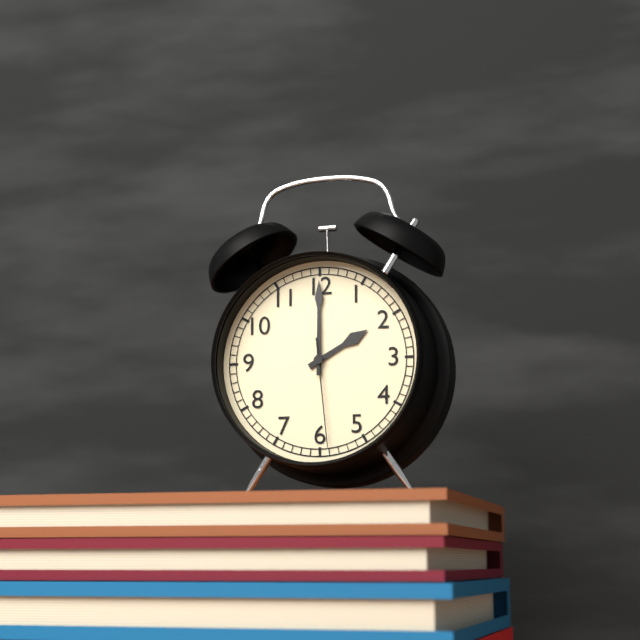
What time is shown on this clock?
2:00:29
